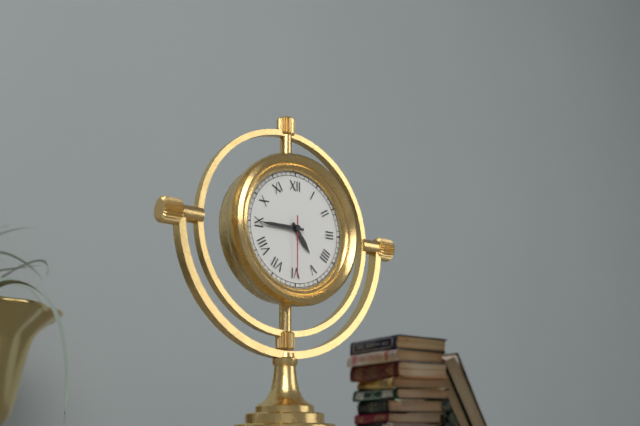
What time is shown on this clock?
4:45:30
